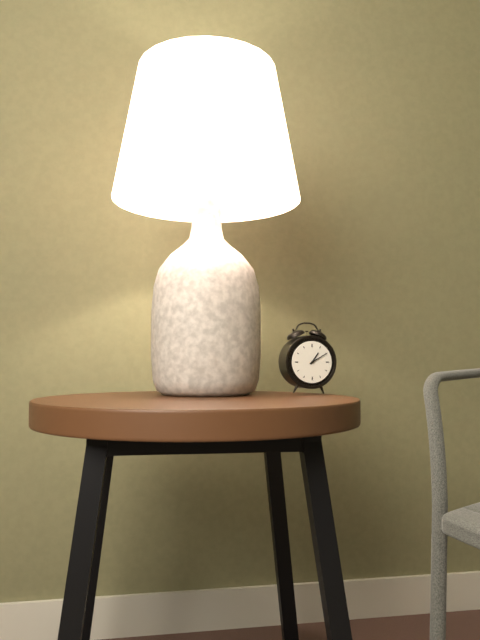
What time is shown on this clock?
1:10
